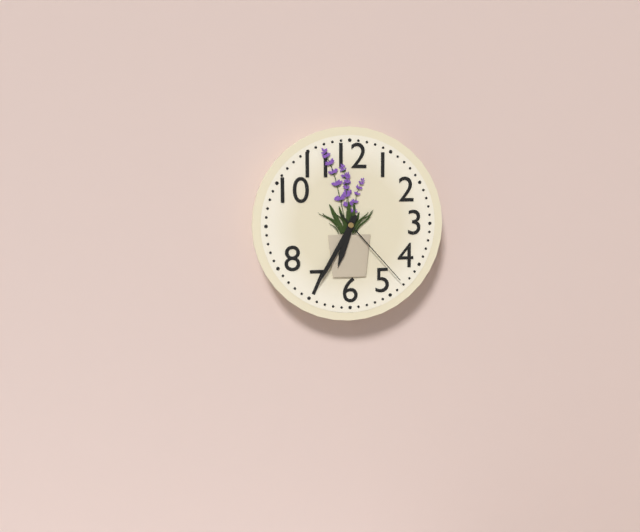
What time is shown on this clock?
6:35:23
